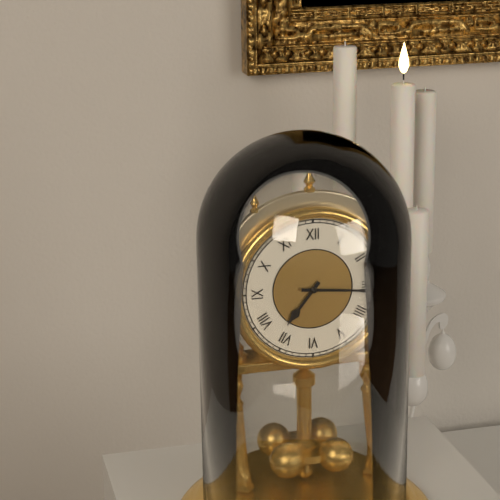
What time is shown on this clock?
7:16
